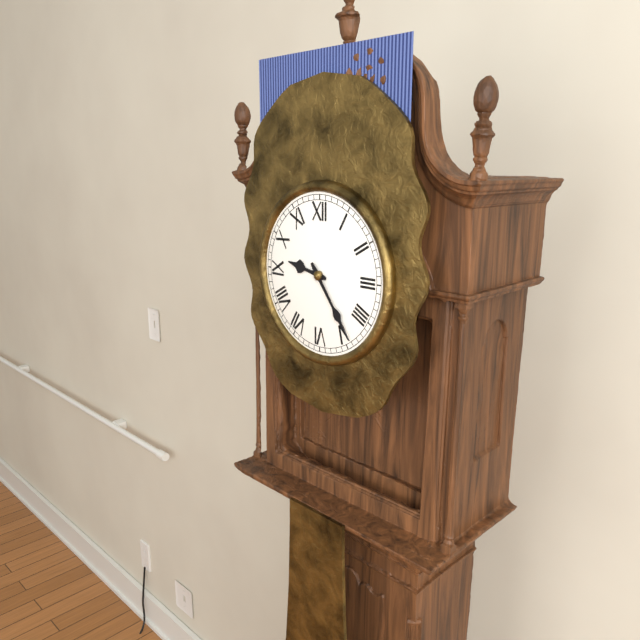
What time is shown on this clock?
9:24
